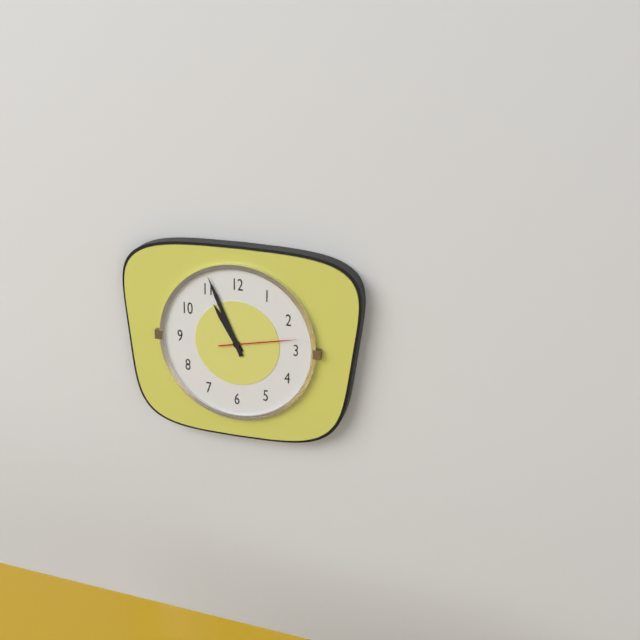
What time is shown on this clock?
10:56:13
